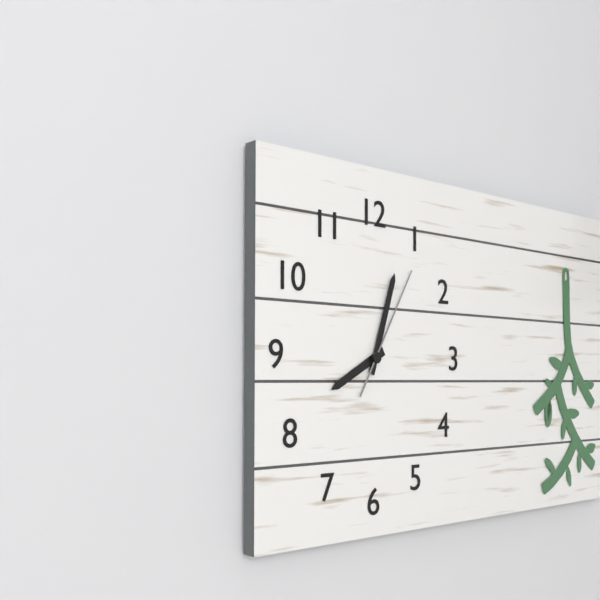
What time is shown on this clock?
8:03:05
